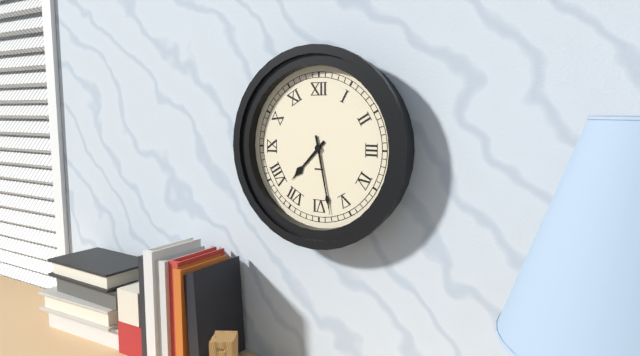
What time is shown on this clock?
7:28
